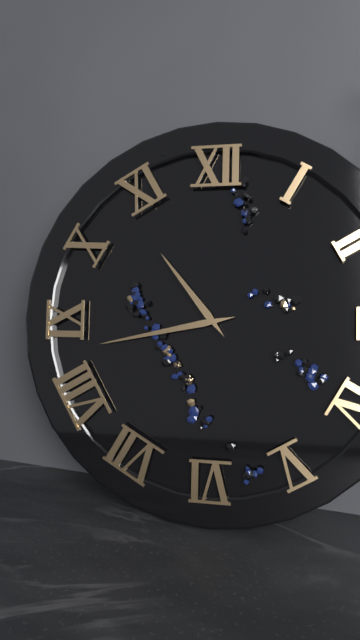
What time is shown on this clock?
10:43
